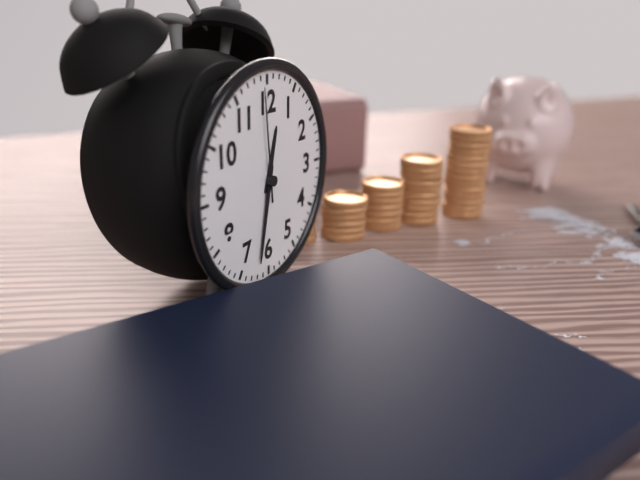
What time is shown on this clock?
12:32:59
